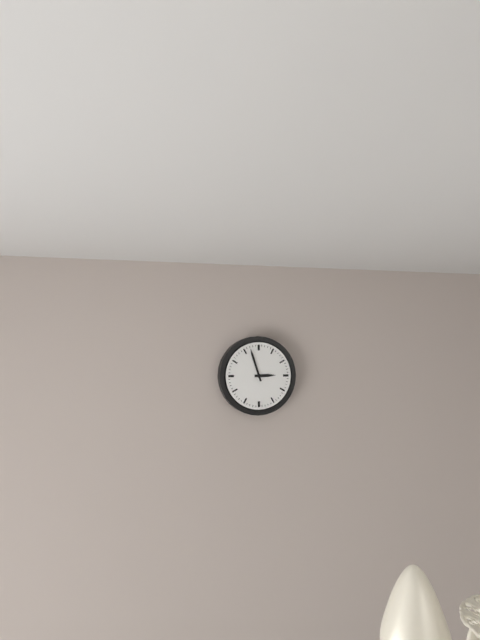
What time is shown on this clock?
2:57
